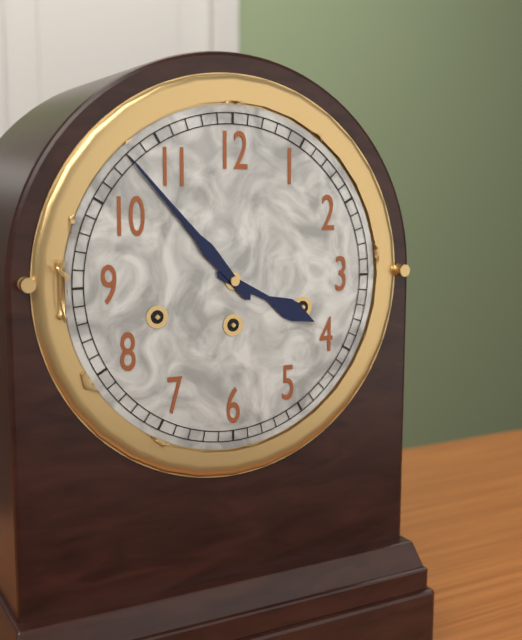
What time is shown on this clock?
3:53
